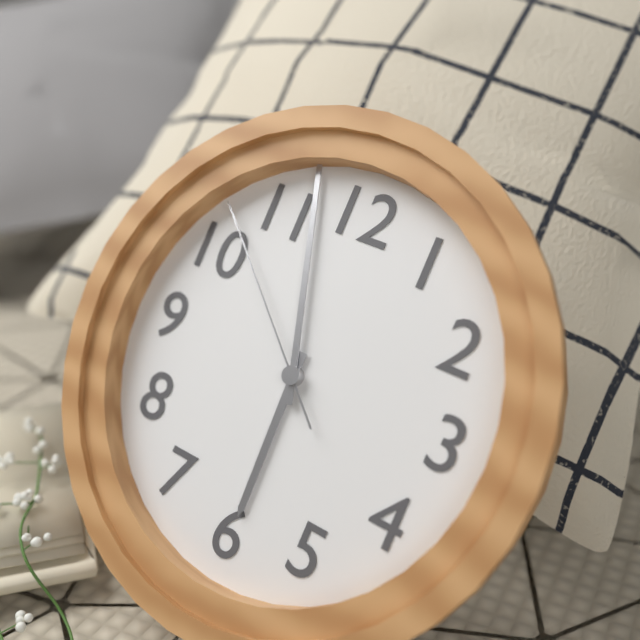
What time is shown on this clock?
5:57:52
